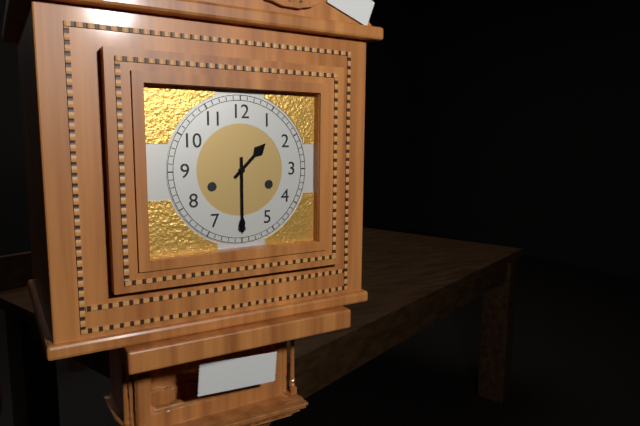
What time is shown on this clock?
1:30
